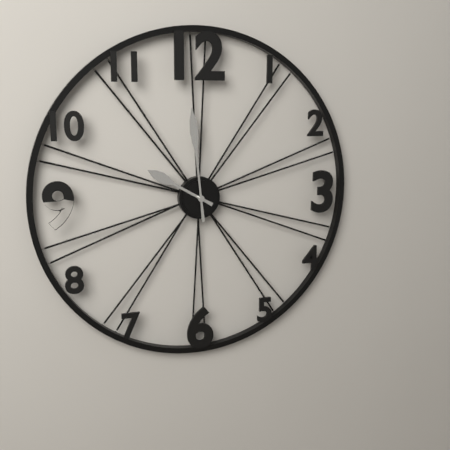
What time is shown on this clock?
9:59
